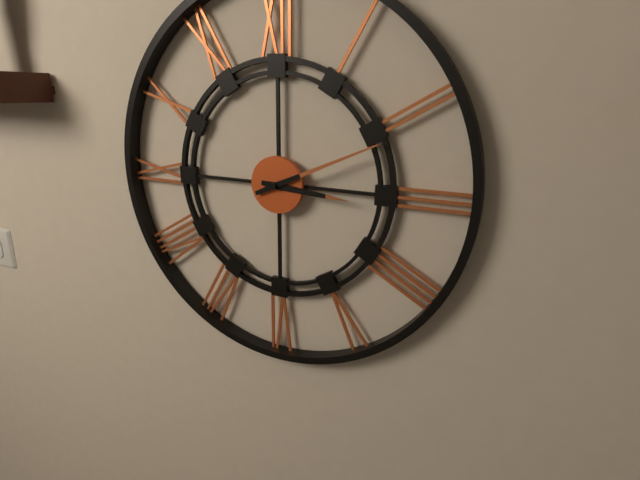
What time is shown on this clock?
3:11
